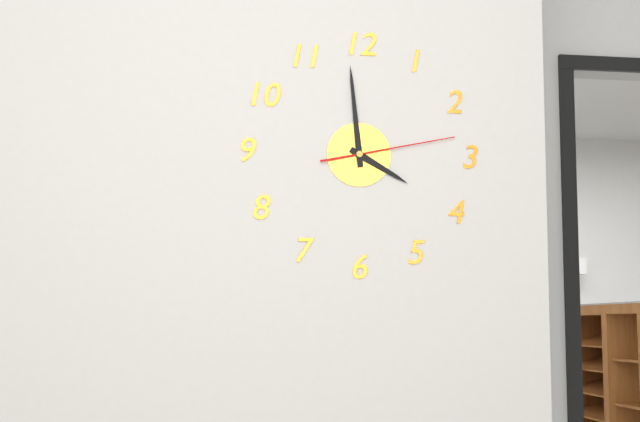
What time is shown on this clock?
3:59:13
